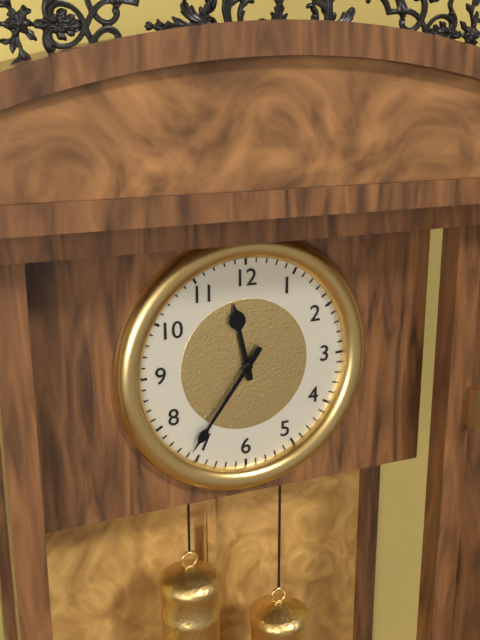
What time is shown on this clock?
11:36
